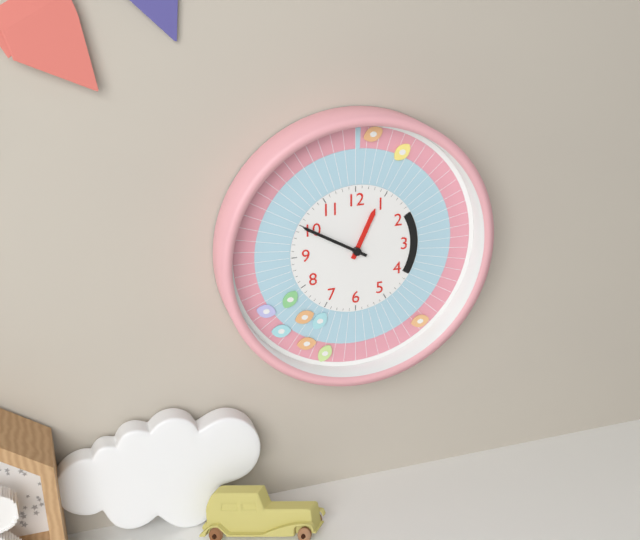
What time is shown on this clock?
12:50
